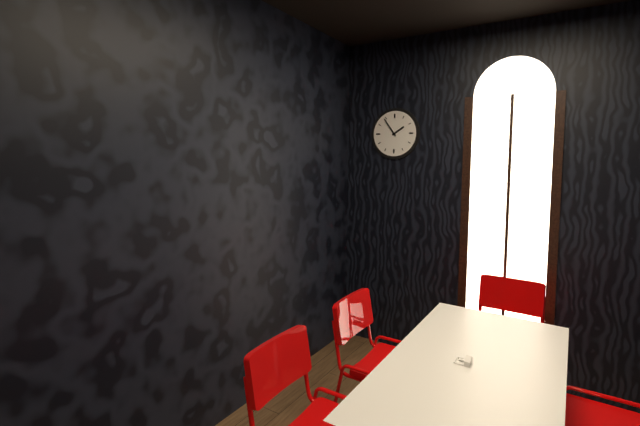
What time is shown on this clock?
1:54
